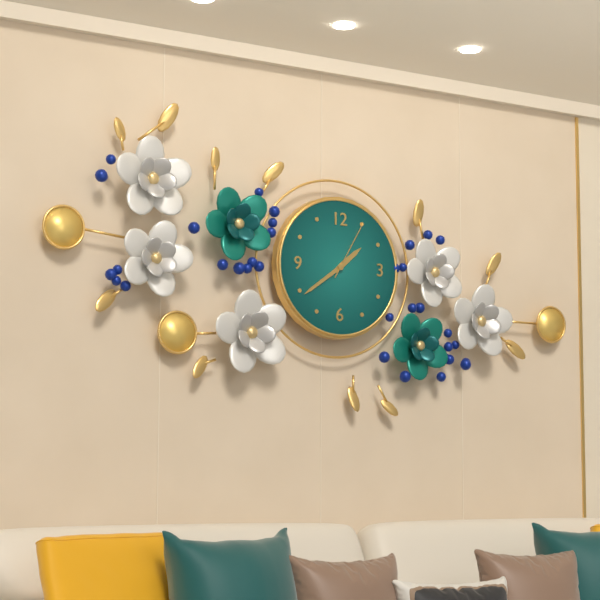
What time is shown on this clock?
1:39:05
